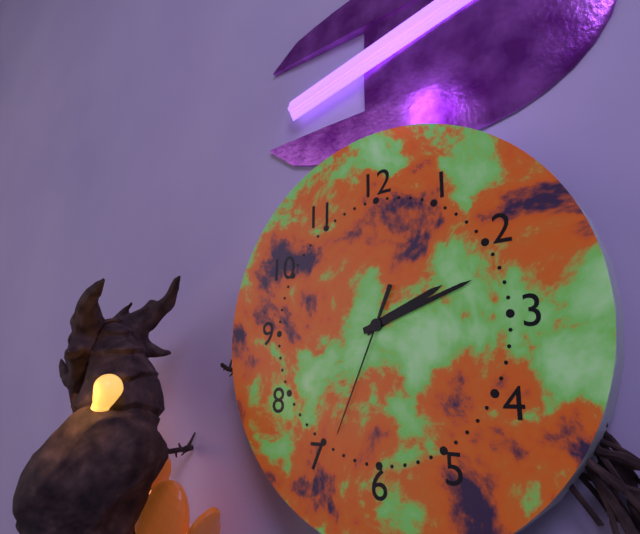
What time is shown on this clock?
2:12:34
